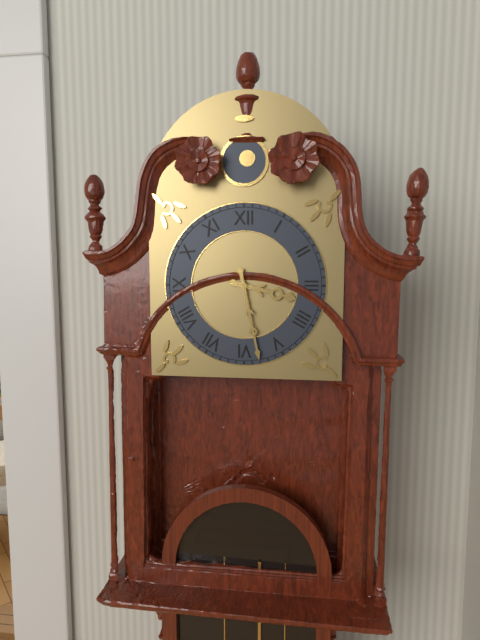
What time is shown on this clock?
3:28
